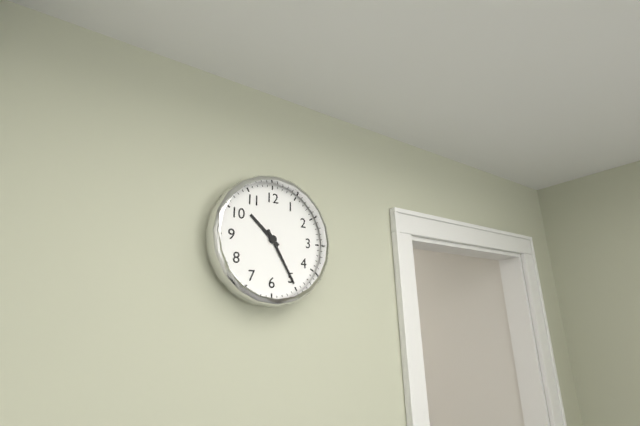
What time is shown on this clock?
10:25
